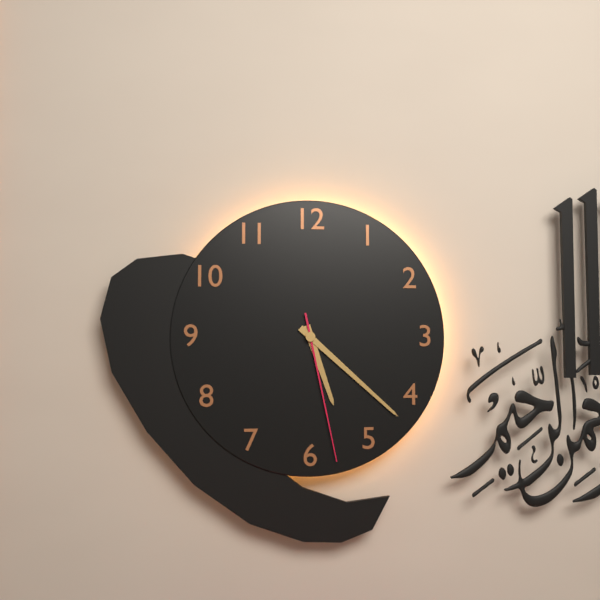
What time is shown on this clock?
5:22:28
